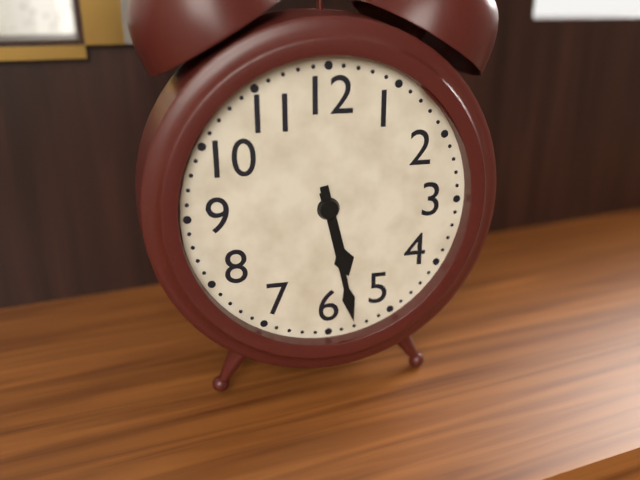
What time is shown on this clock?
5:28
